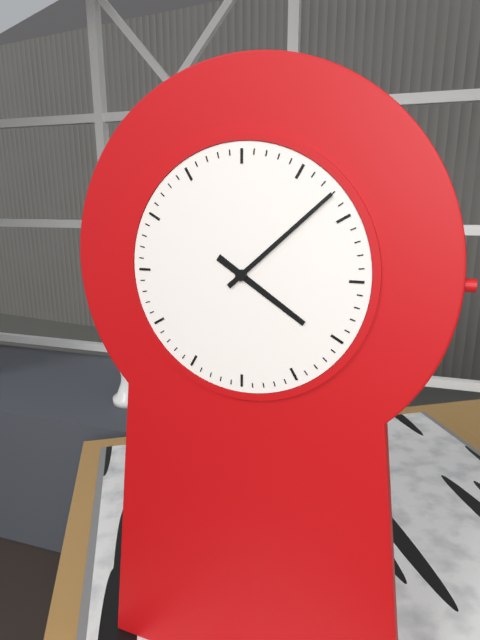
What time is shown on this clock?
4:08
